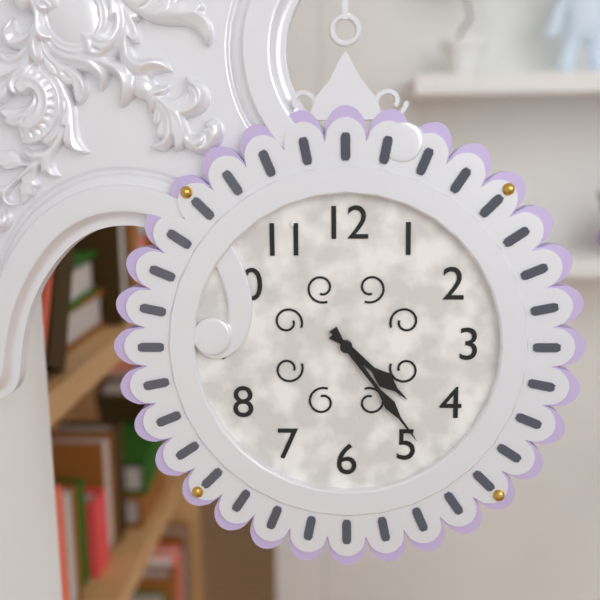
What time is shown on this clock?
4:24
